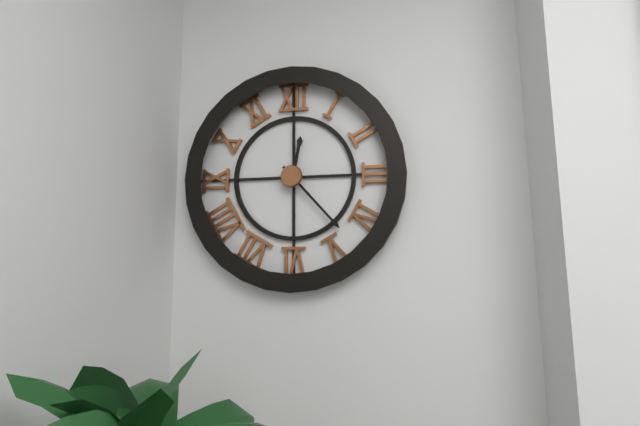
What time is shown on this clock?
12:23
